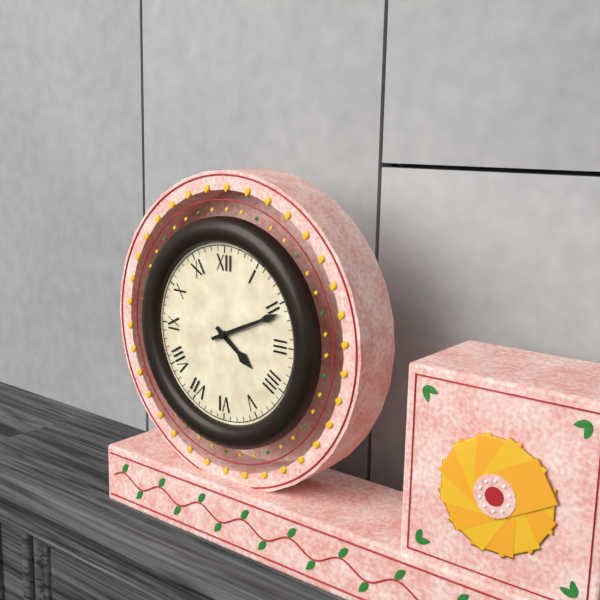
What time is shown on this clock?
4:11
